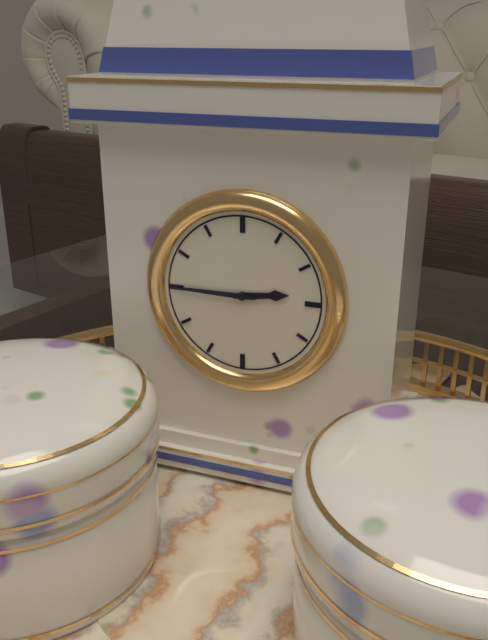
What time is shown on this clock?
2:45
